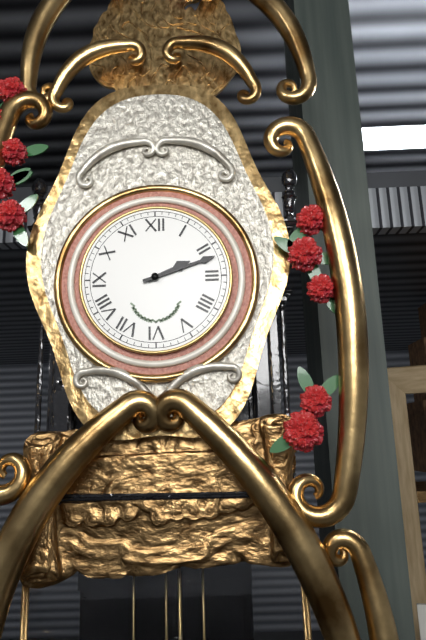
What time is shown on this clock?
2:12
